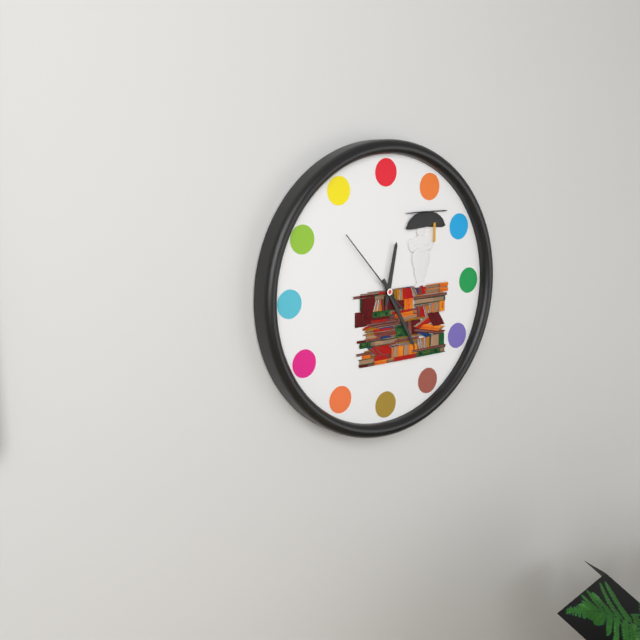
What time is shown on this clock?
12:25:53
